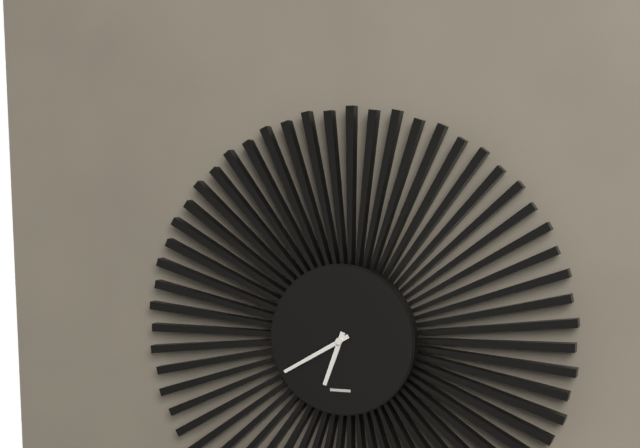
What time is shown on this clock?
6:40
